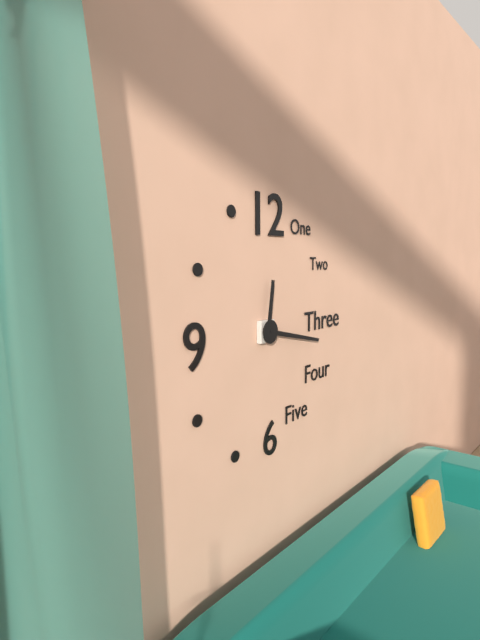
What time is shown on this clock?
12:17
